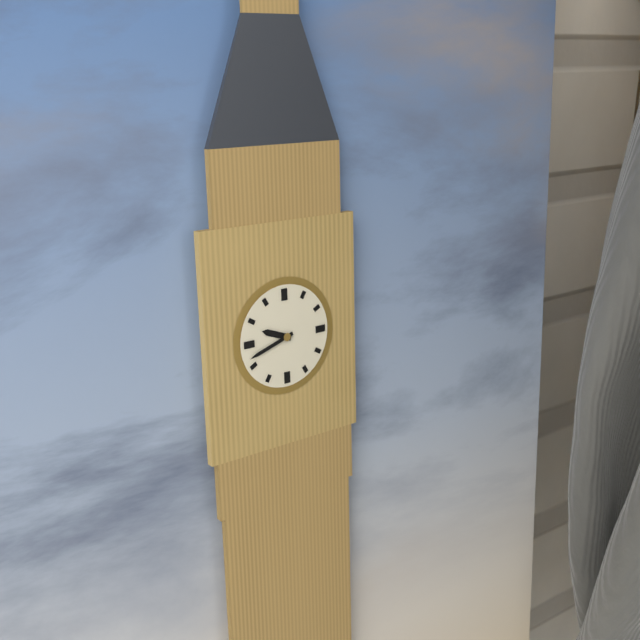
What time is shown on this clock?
9:42
